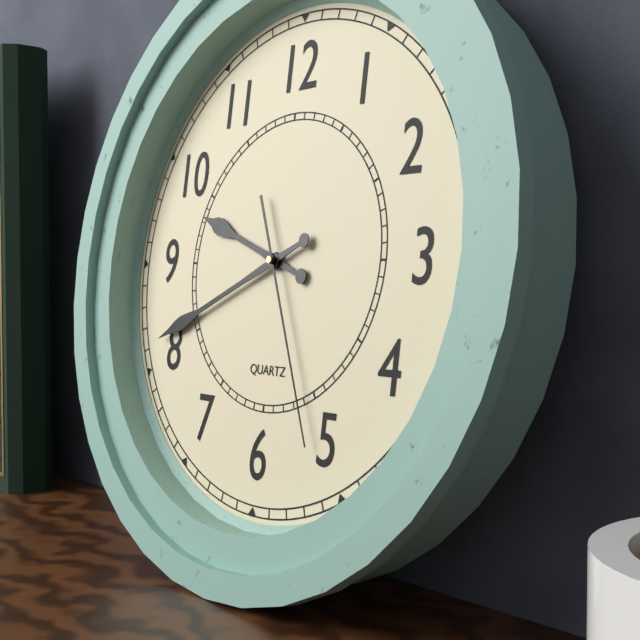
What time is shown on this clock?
9:41:26
